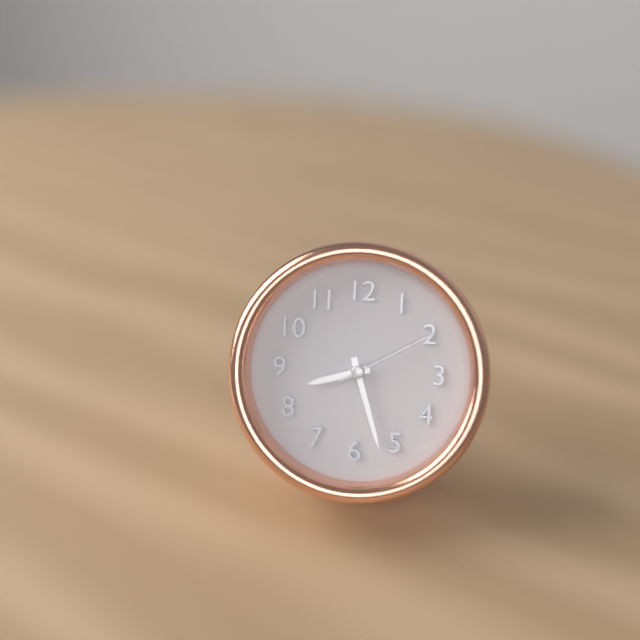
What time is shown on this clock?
8:27:10
